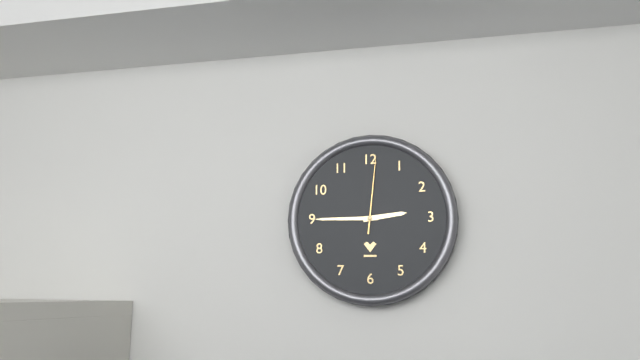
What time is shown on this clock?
2:45:01
